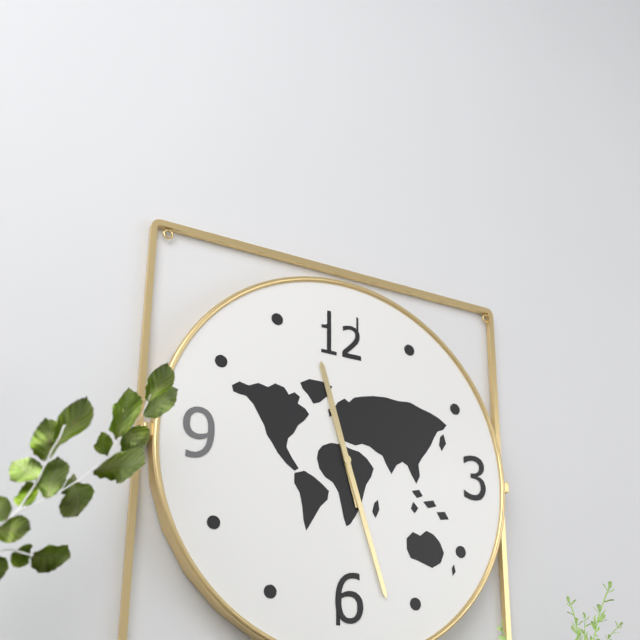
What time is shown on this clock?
11:27
